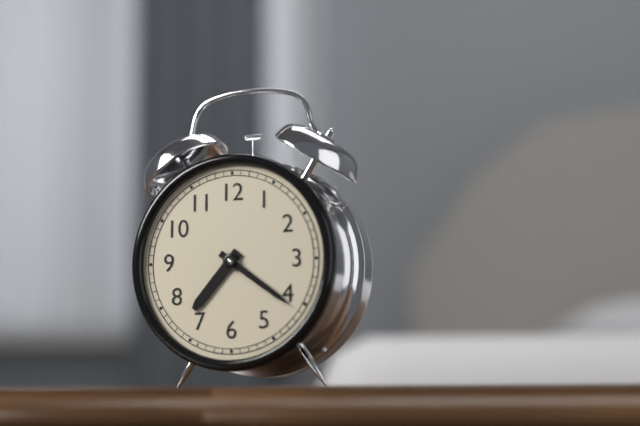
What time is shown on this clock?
7:21
